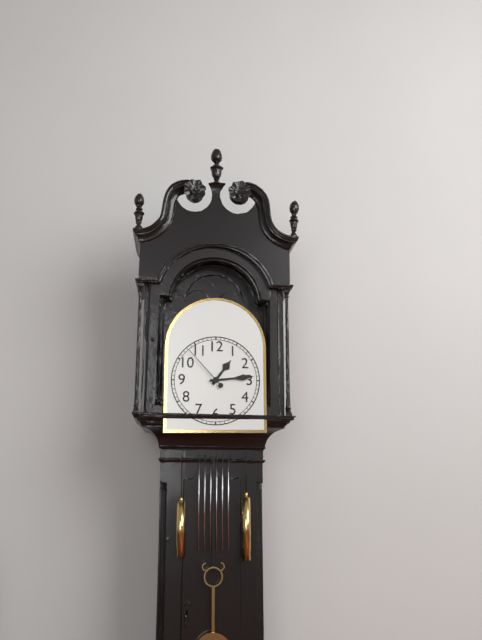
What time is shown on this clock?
1:14:53
